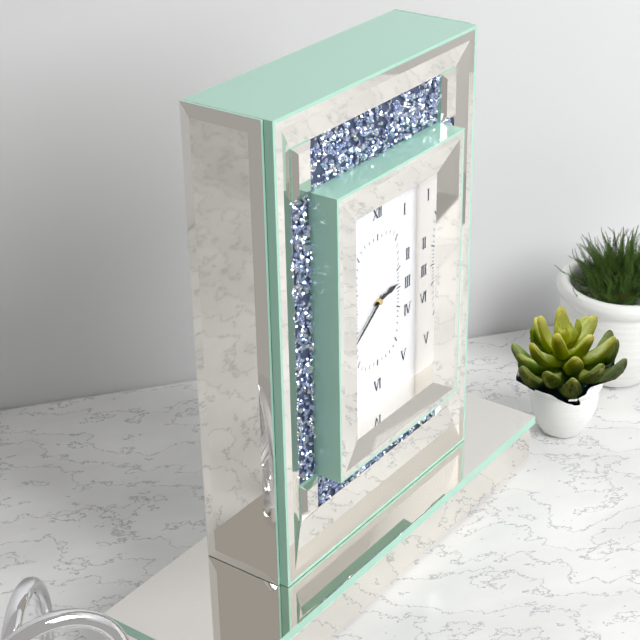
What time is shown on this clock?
2:39
